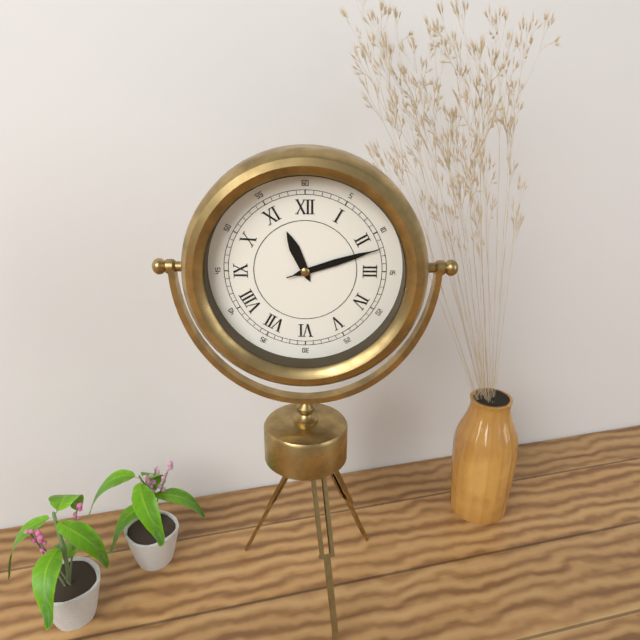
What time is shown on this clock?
11:12:12
